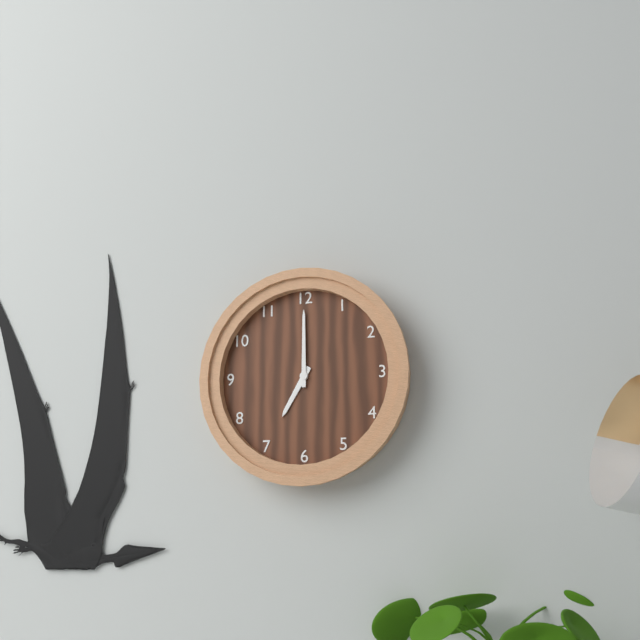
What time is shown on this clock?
7:00
